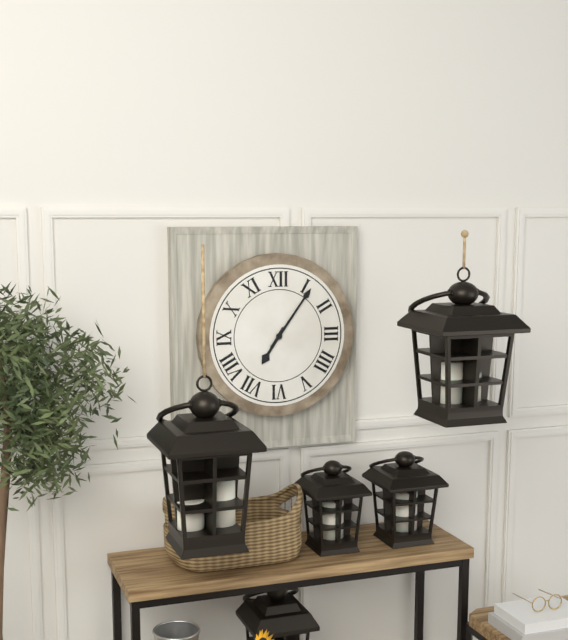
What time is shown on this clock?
7:06
